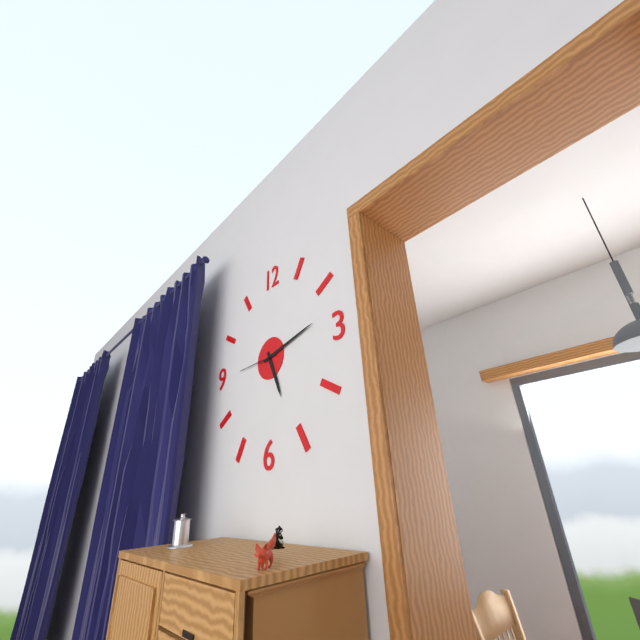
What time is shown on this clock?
5:13
